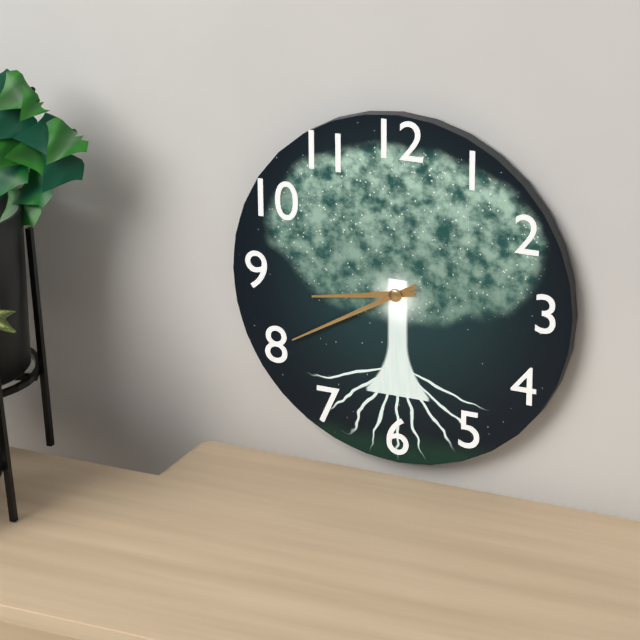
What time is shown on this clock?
8:40
